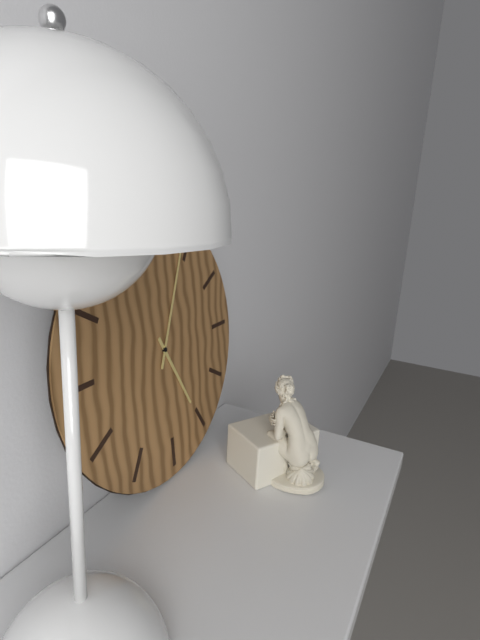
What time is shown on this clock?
5:04
